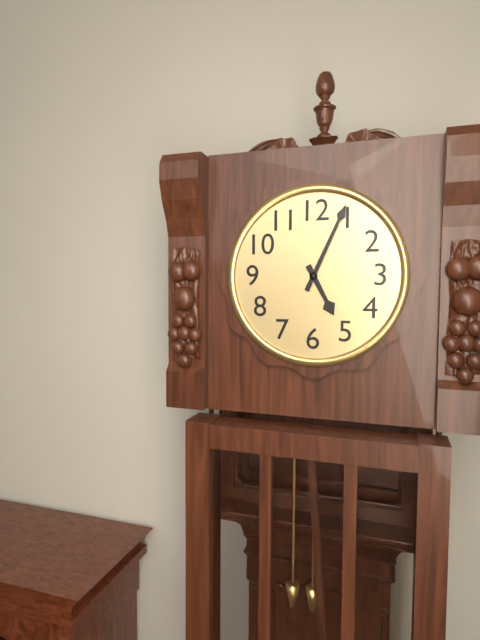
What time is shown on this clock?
5:04
